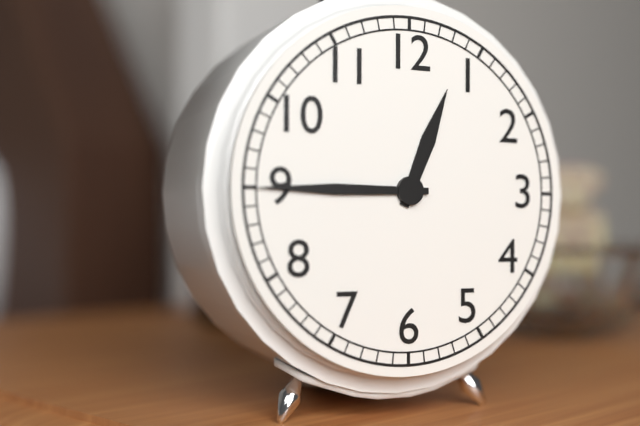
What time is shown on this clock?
12:45
